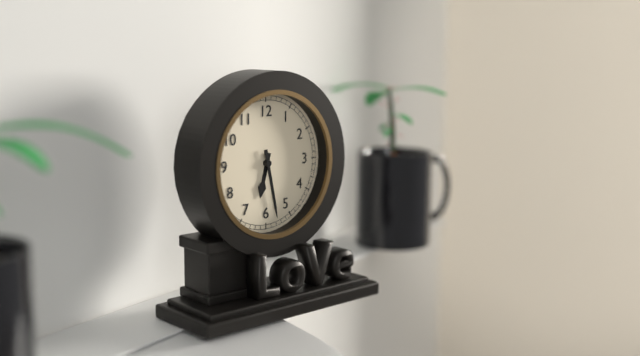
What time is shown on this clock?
6:28
